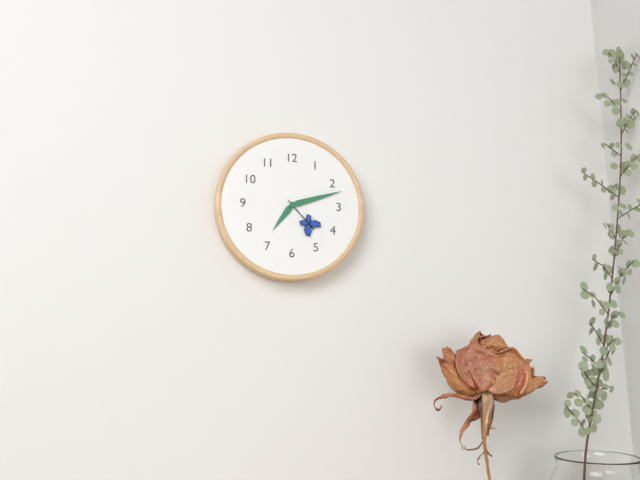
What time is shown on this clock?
7:12
